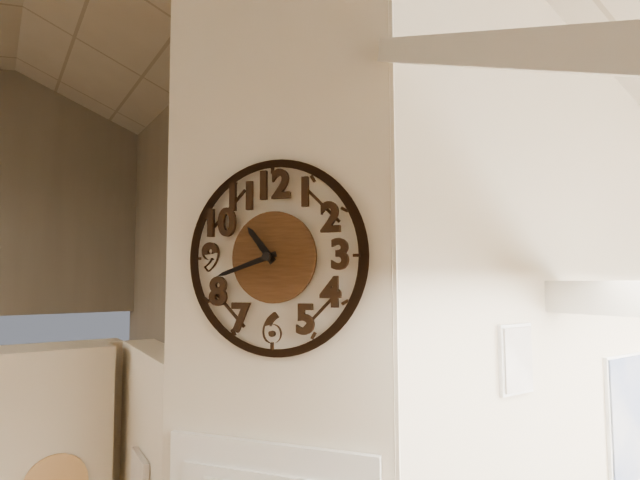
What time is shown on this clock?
10:42
